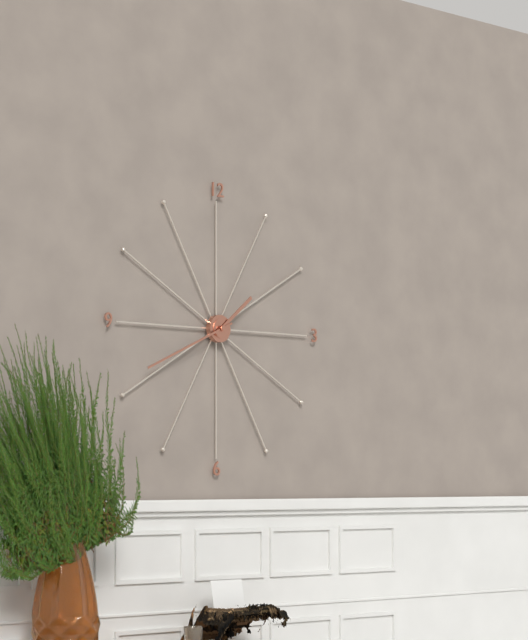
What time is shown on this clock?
1:41
